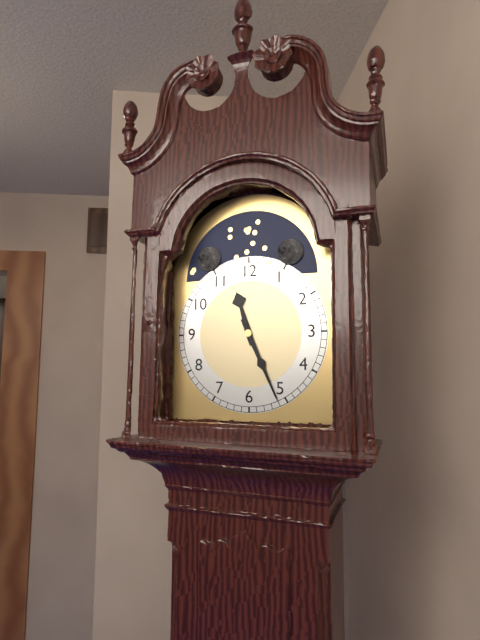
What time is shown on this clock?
11:26
